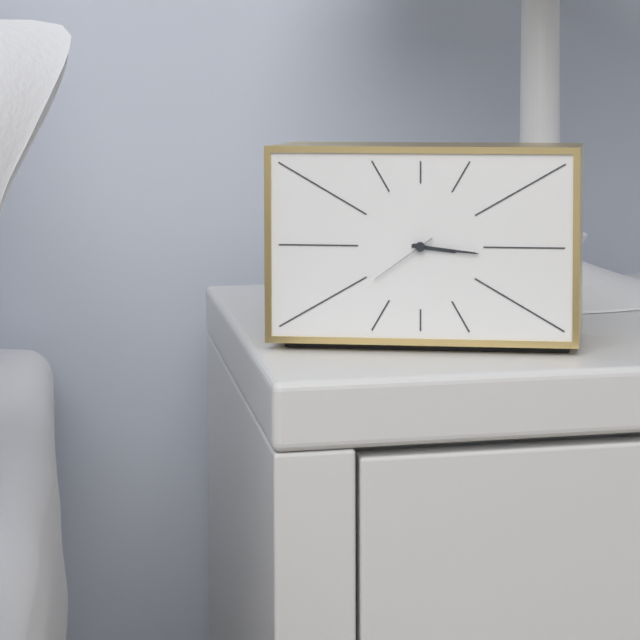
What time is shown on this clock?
3:16:39
